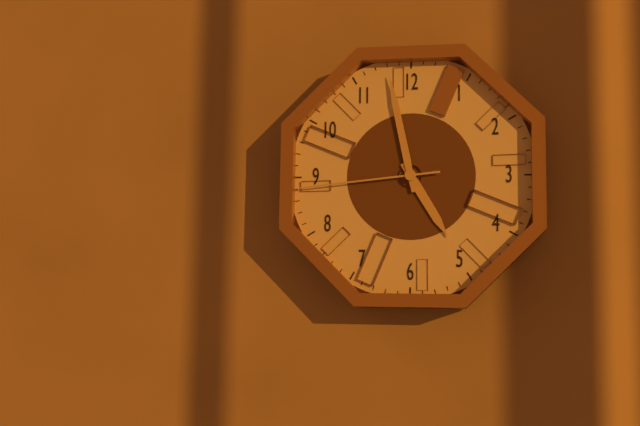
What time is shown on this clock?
4:58:44
